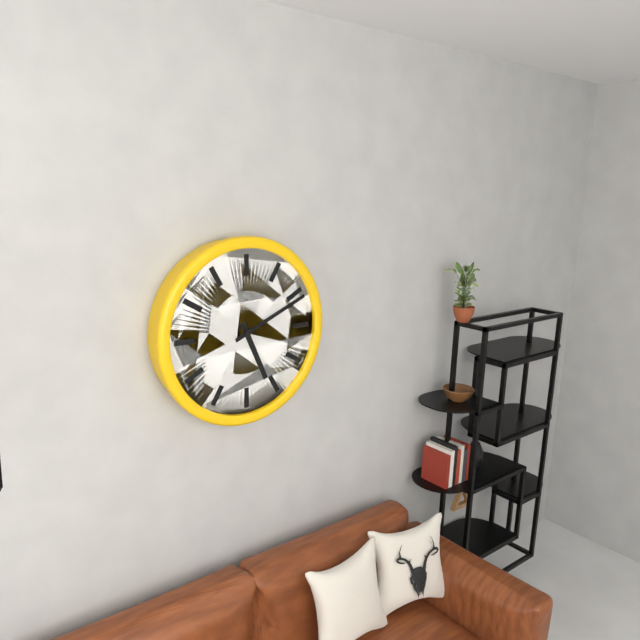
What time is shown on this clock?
5:11
